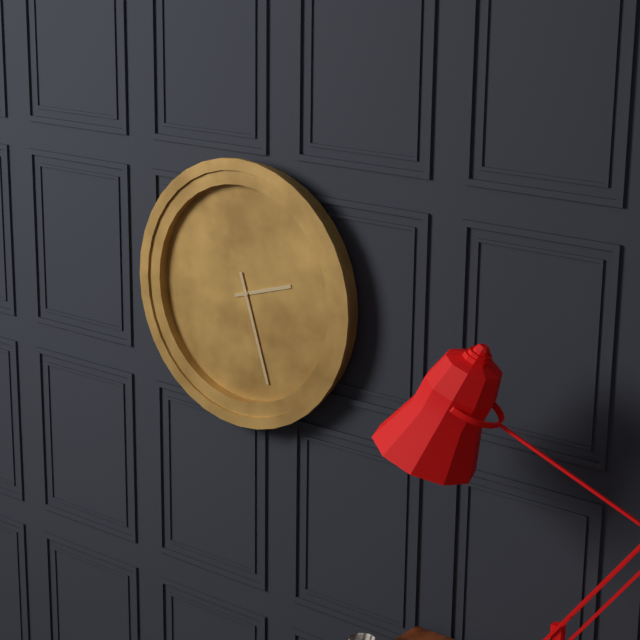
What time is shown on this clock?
2:27
